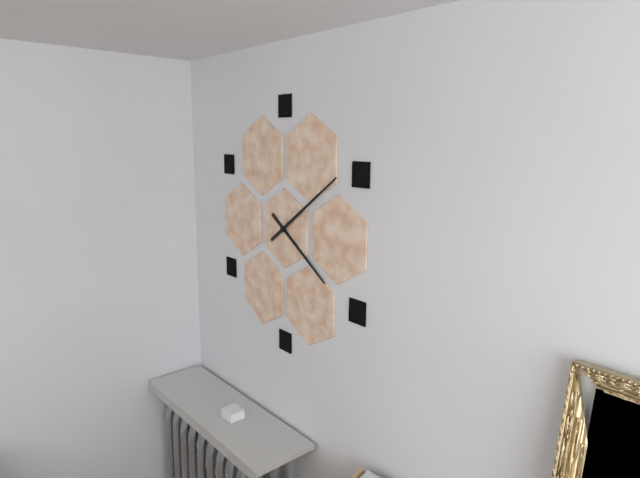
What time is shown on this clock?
4:09
